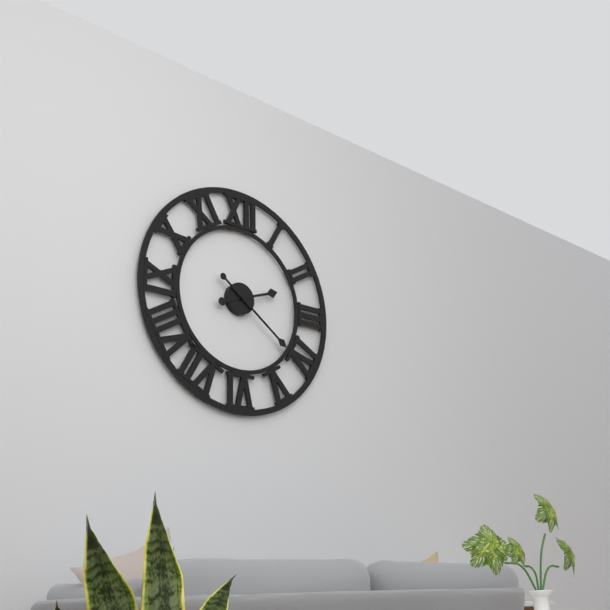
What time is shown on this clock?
2:21
